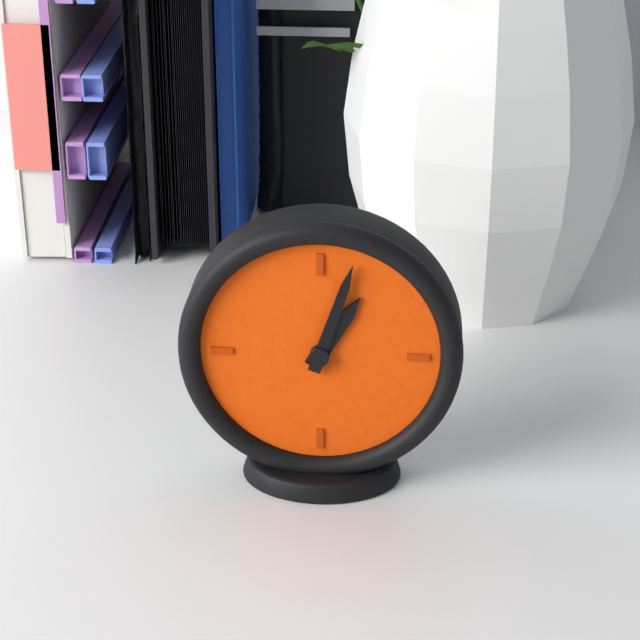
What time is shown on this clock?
1:03
